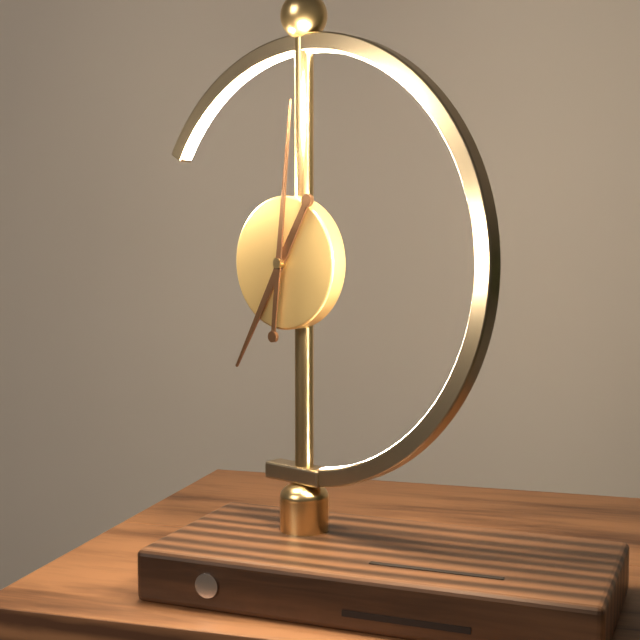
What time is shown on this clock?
7:01
